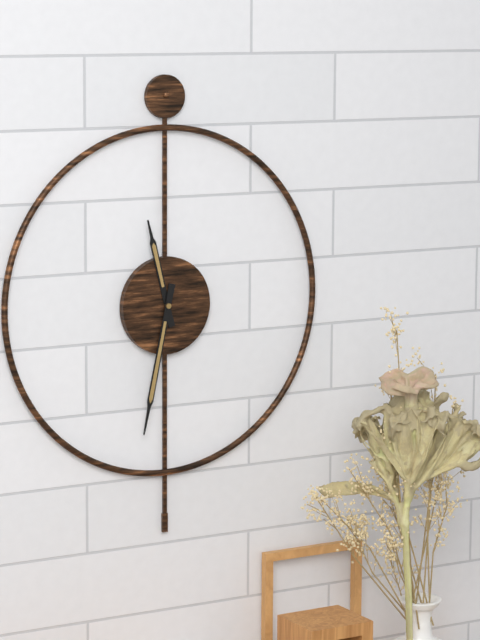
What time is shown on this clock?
11:32
